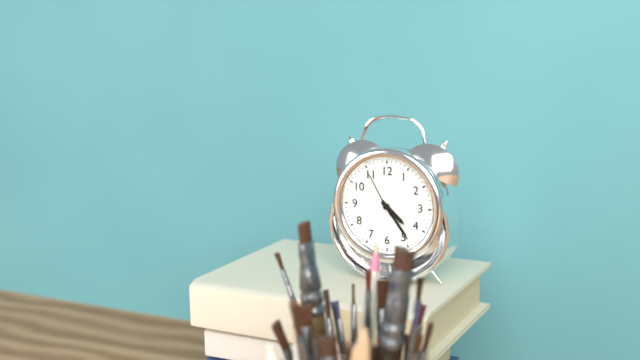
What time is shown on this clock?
4:24:55
